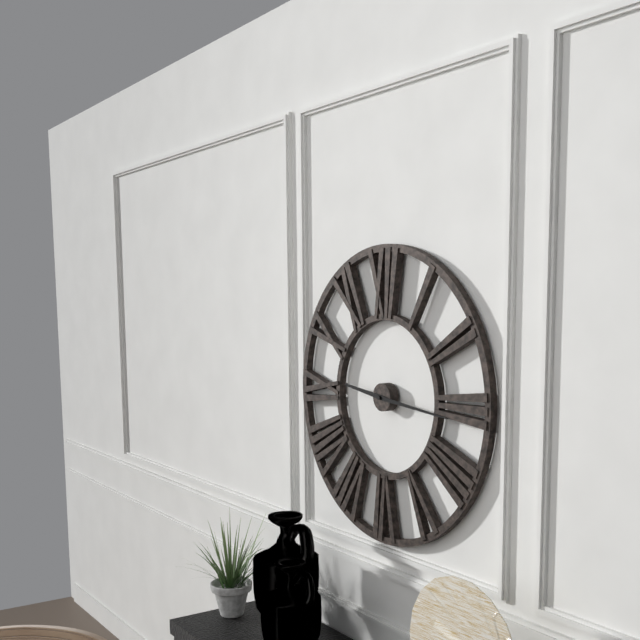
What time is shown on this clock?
9:16
